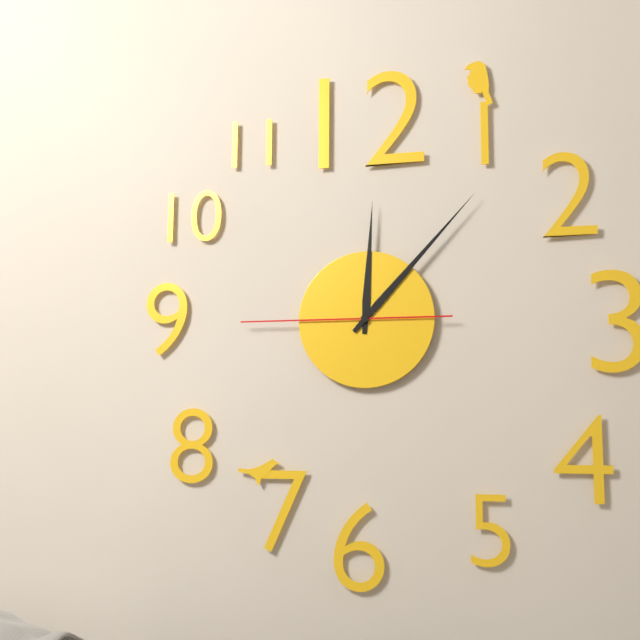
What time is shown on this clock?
12:07:45
